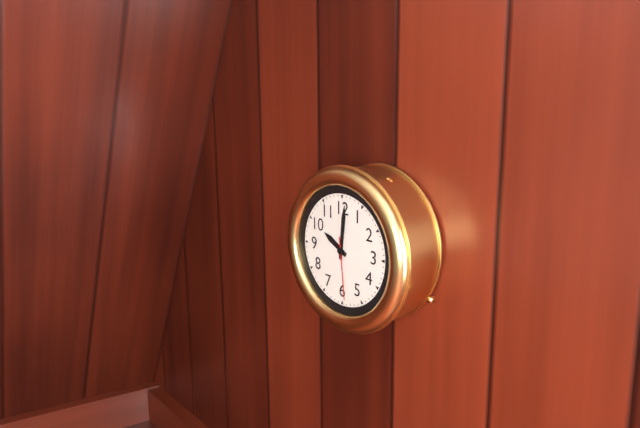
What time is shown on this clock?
10:01:29
